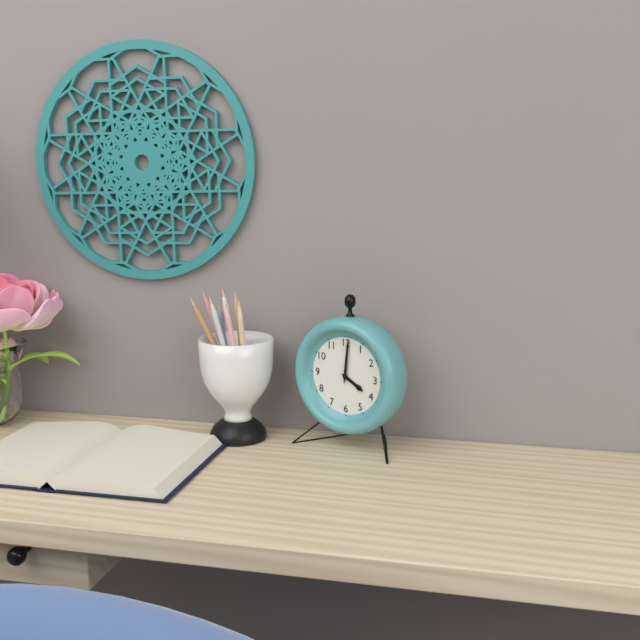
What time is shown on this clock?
4:01
